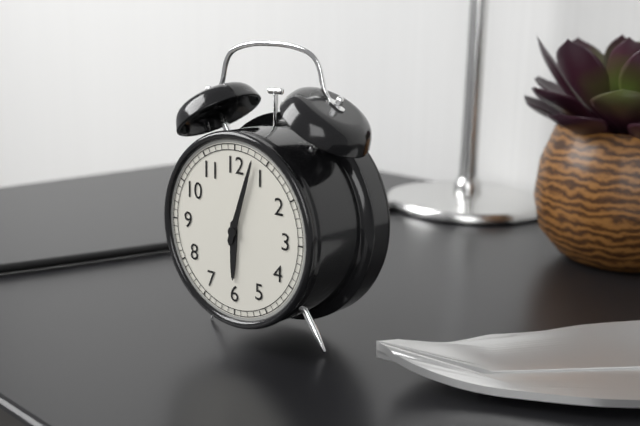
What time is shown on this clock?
6:03
